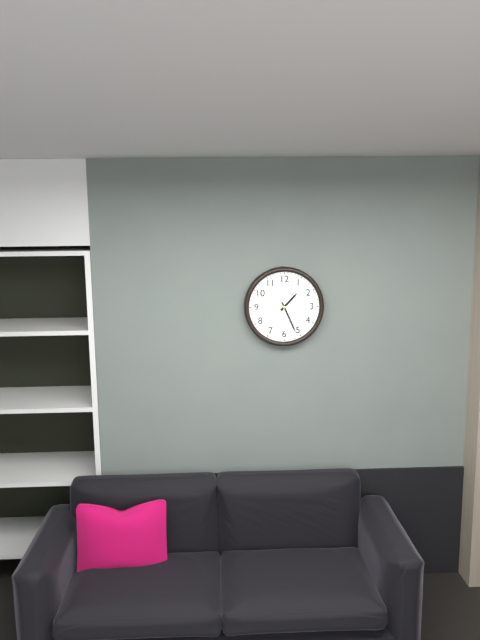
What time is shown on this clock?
1:26
